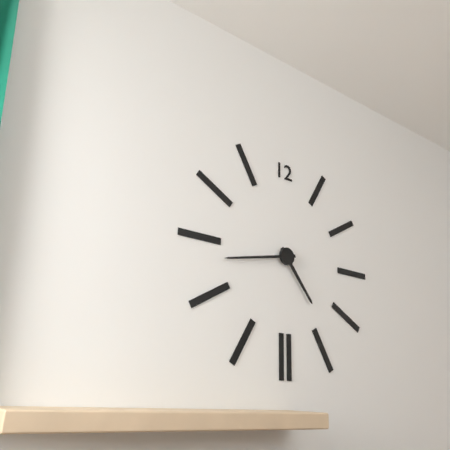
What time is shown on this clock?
4:43
